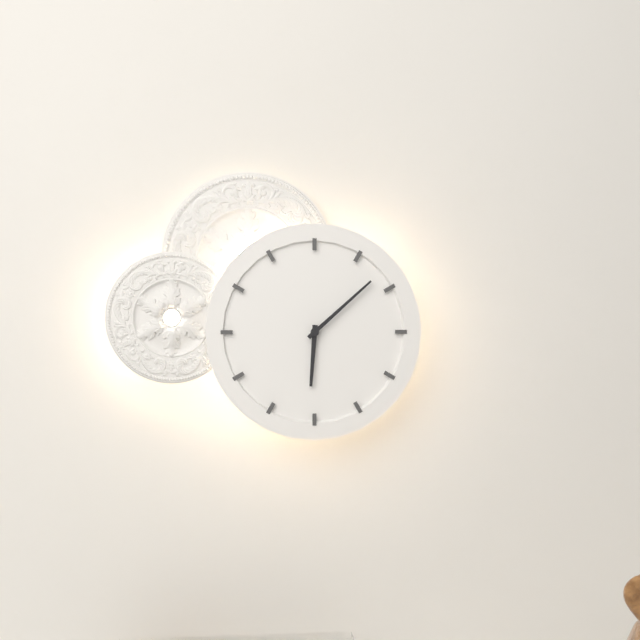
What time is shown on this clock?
6:08
